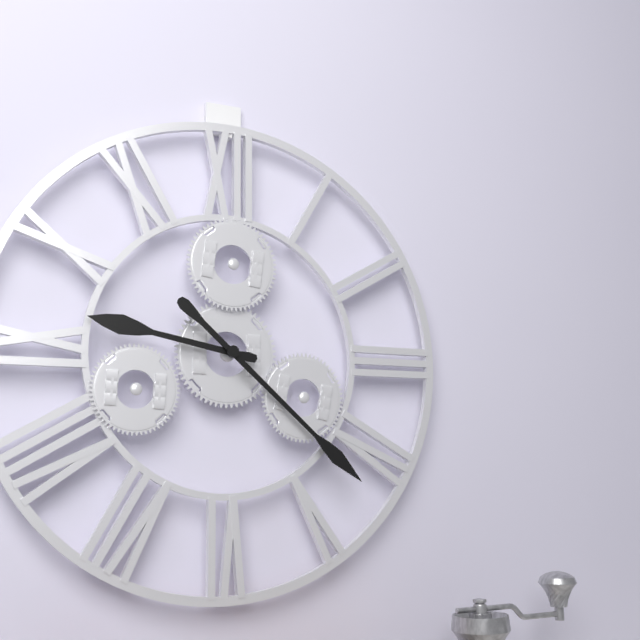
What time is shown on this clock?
9:22
